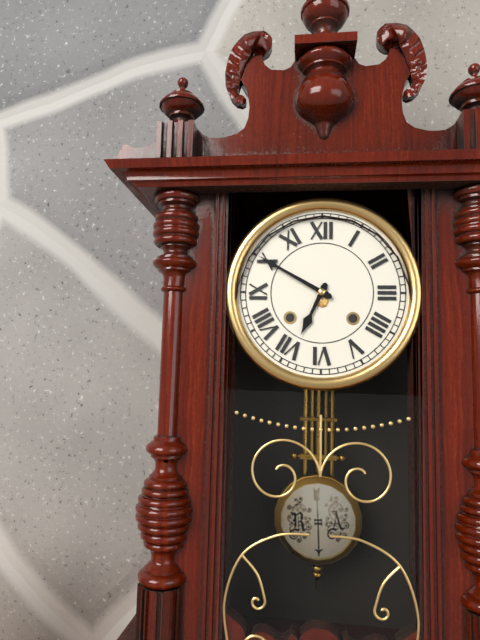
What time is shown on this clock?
6:50
